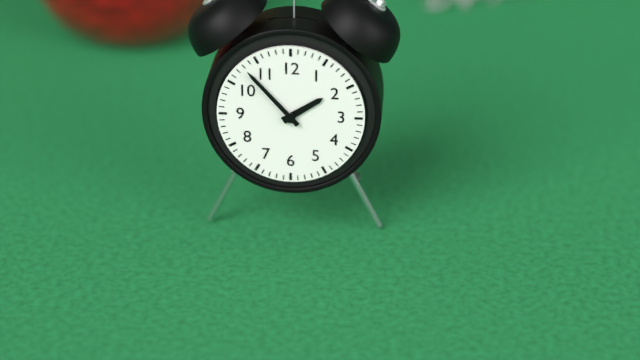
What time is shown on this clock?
1:53
